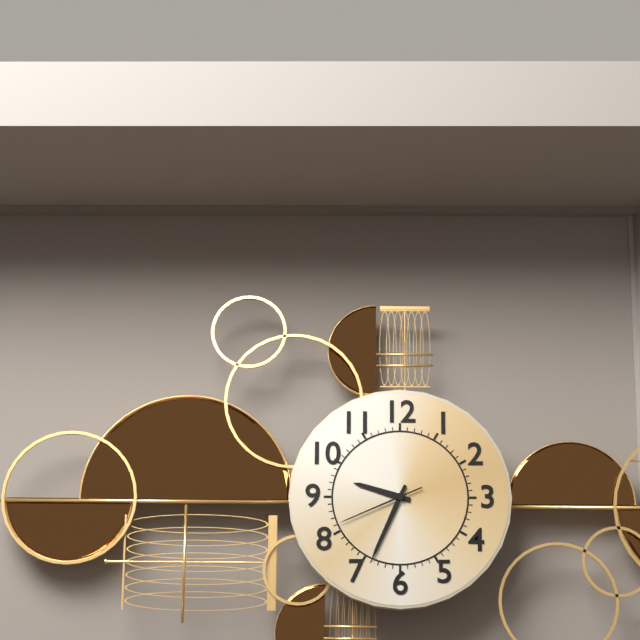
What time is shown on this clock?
9:34:41
